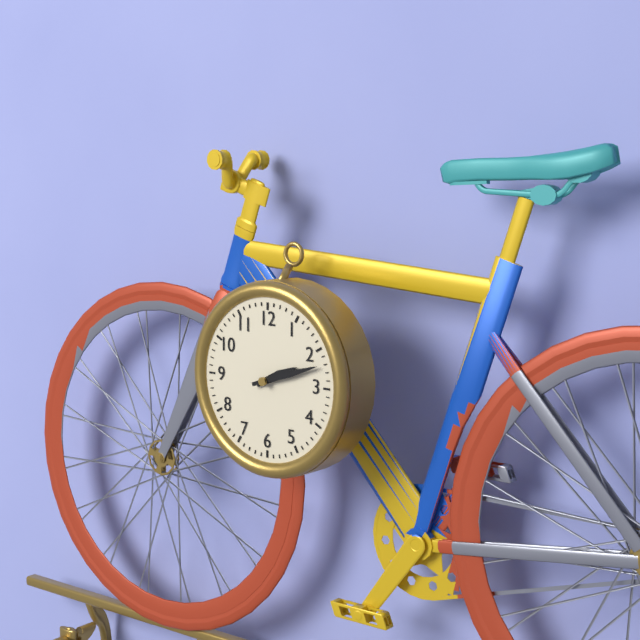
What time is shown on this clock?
2:12
